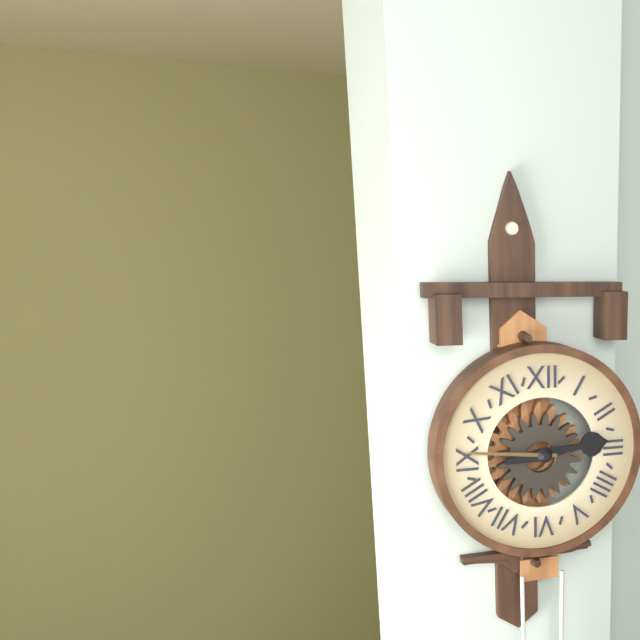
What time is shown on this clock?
2:46
